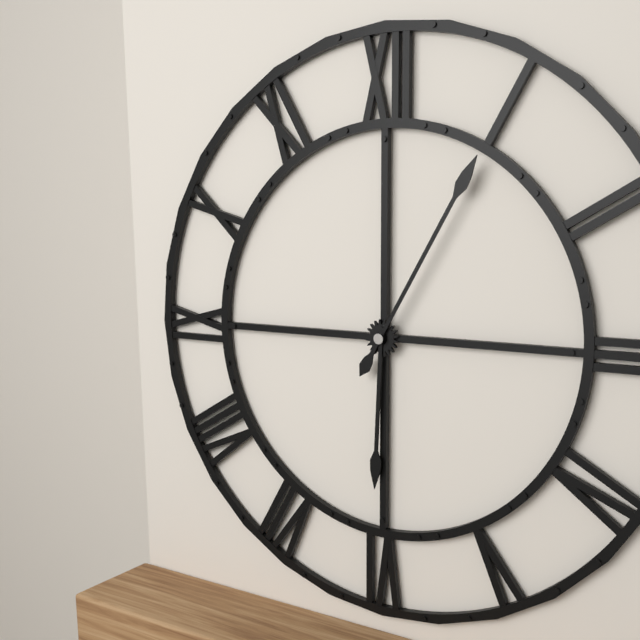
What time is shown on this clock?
6:05
